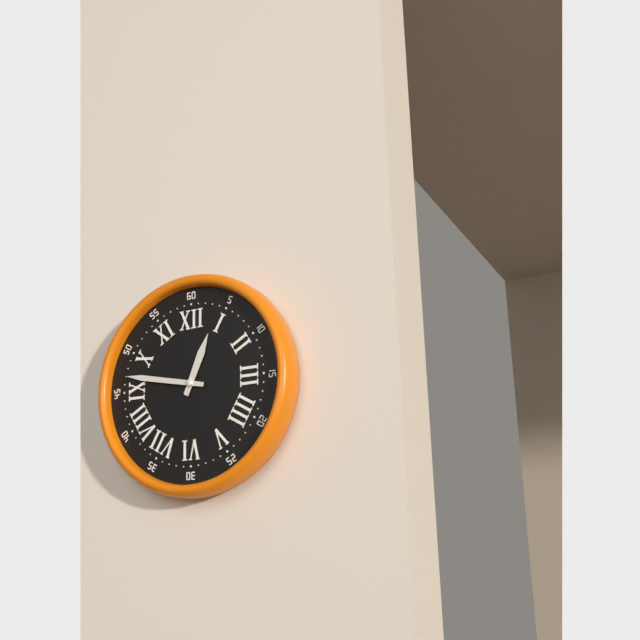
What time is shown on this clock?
12:47
